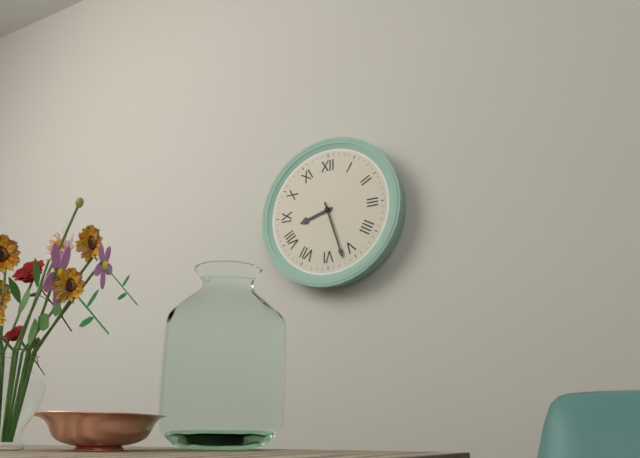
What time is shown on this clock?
8:27
